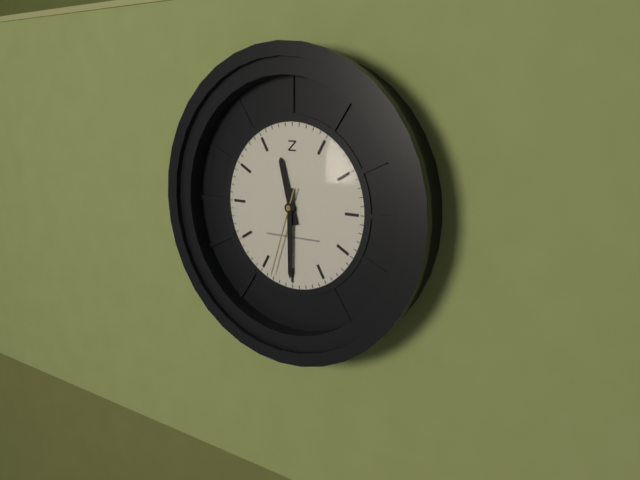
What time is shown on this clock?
11:30:33
